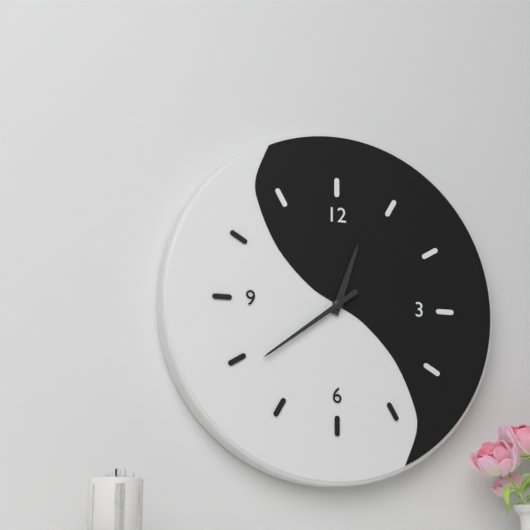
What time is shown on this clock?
12:39
